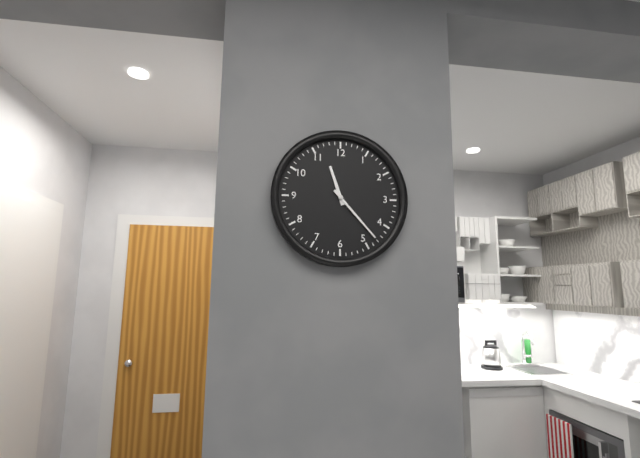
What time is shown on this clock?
11:23
